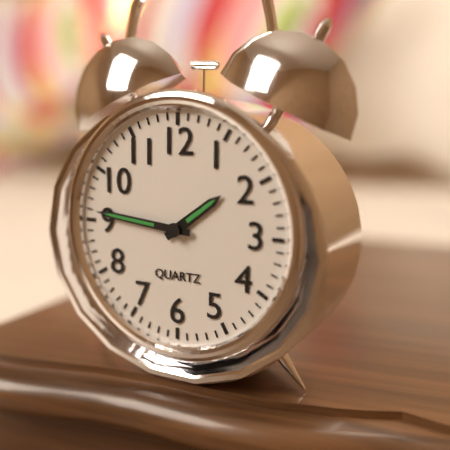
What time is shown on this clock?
1:46
